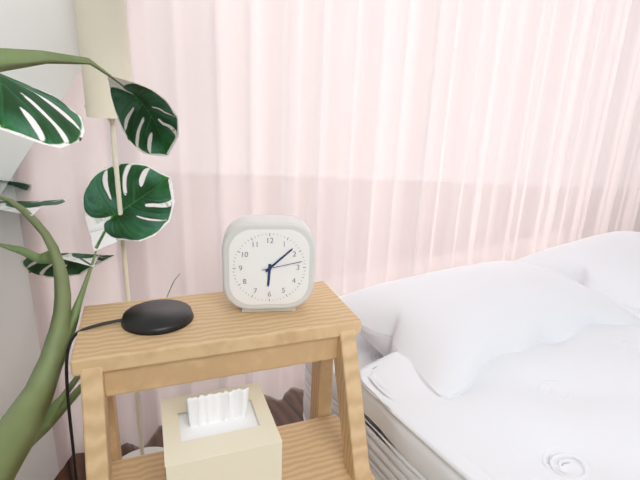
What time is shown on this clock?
6:08
